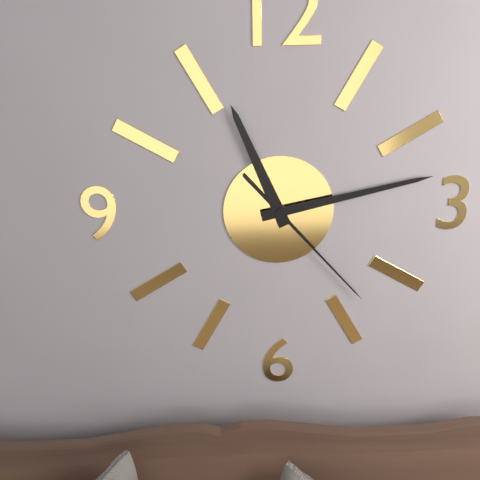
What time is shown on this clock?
11:13:23
